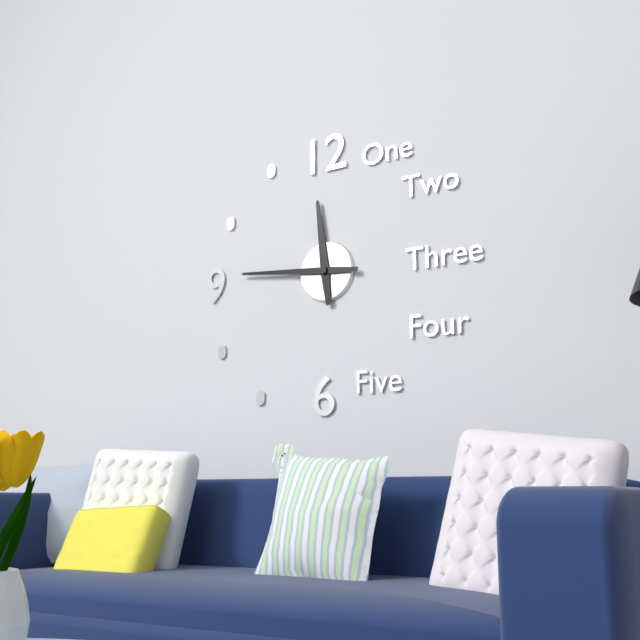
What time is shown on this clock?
11:46
